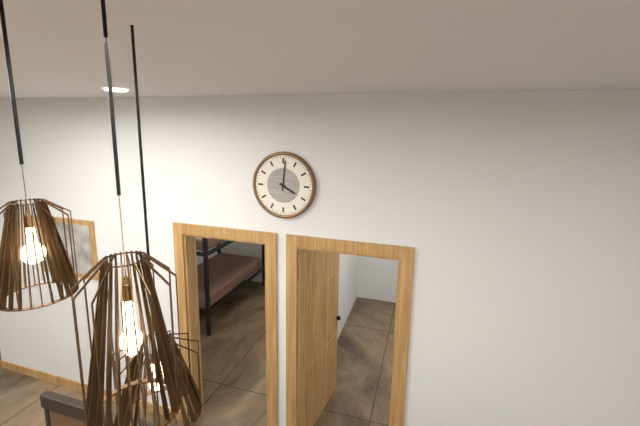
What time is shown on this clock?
4:01
